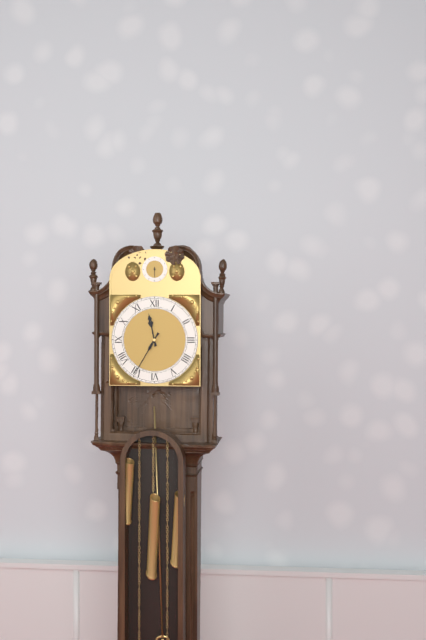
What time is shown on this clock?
11:35
